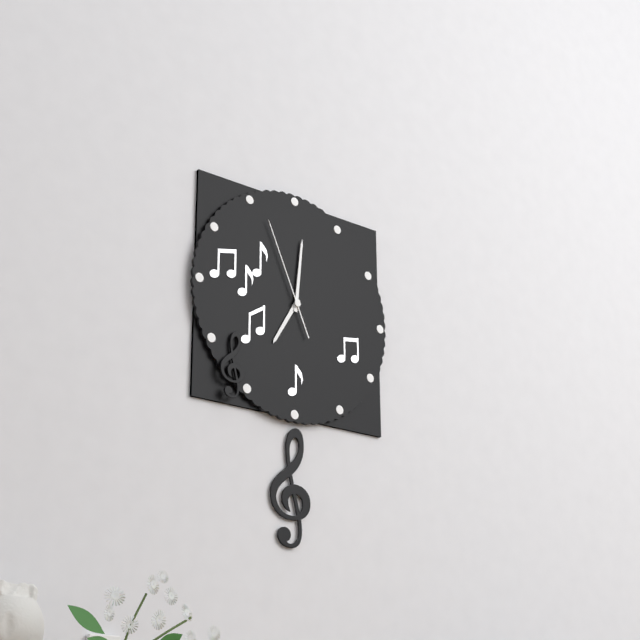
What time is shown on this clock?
7:01:56
